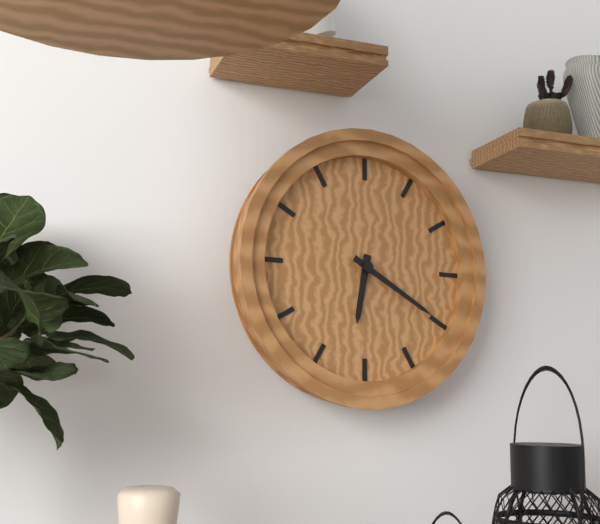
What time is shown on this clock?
6:20
